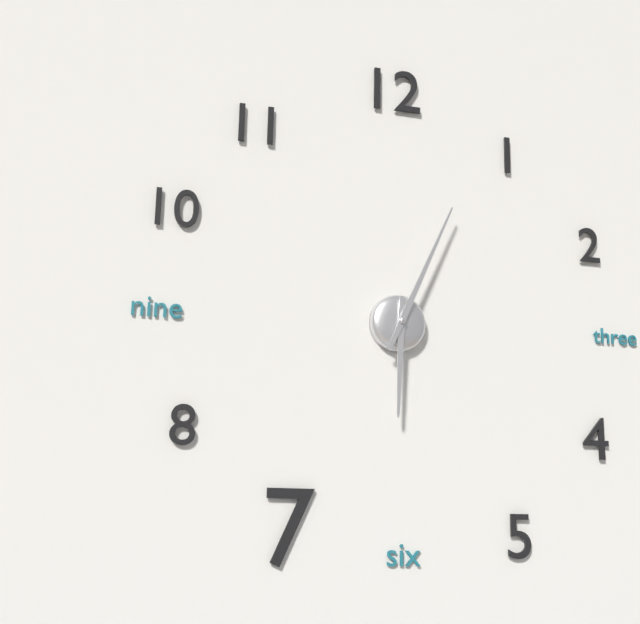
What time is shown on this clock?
6:04
